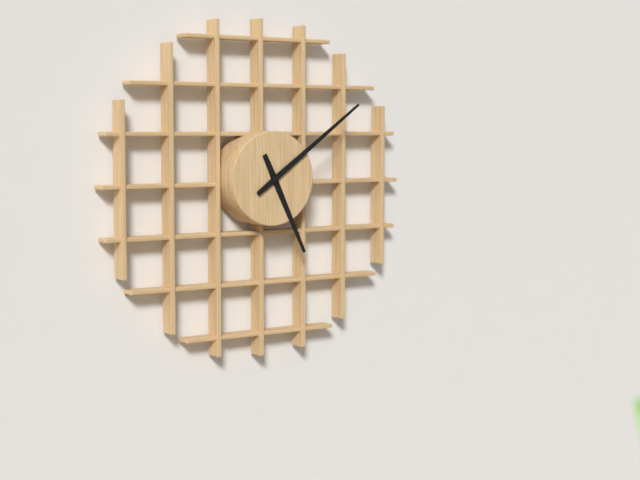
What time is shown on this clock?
5:09
